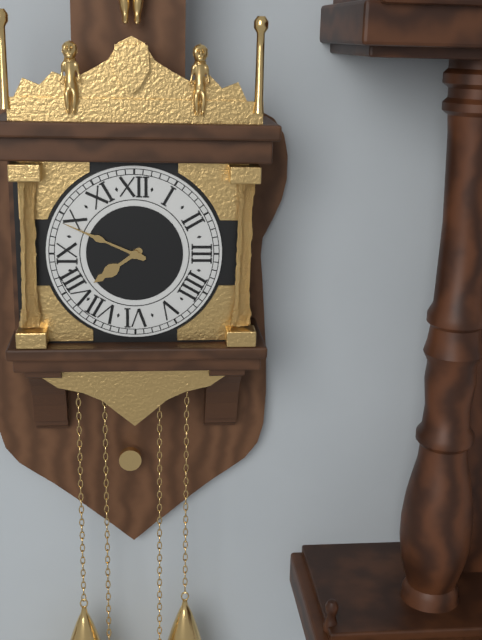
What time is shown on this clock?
7:49
